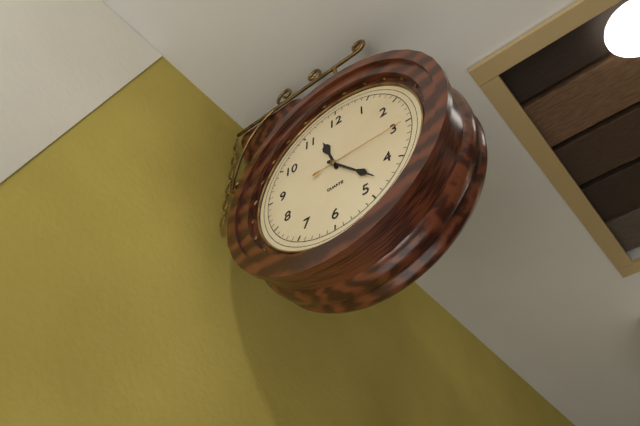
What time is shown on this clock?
11:23:15
